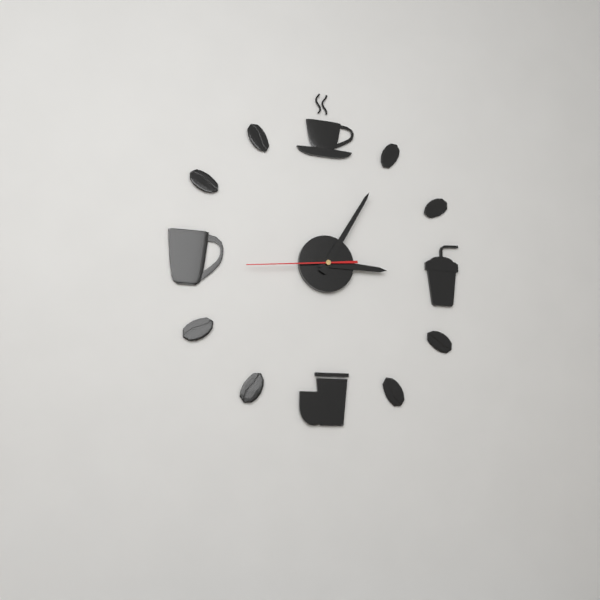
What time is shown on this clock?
3:05:44
